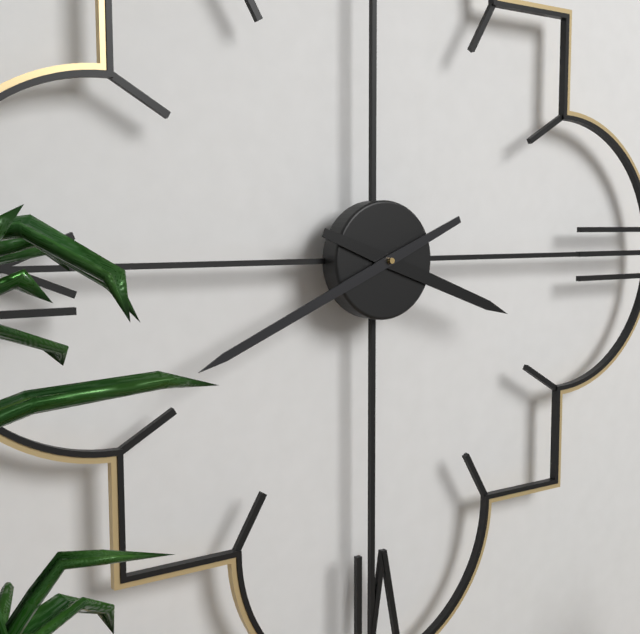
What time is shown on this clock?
3:41
